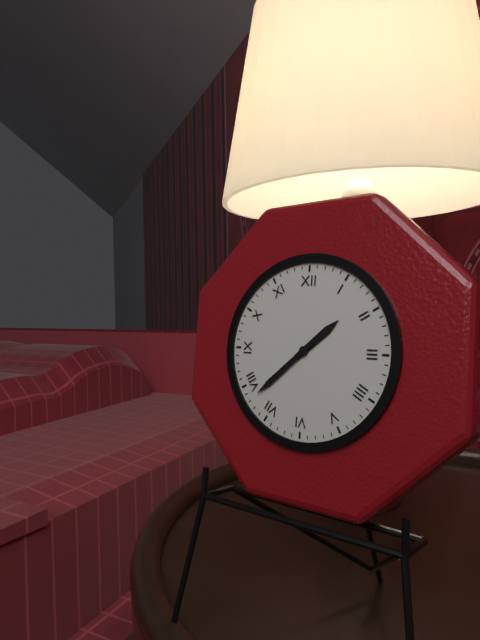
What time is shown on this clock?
1:38
